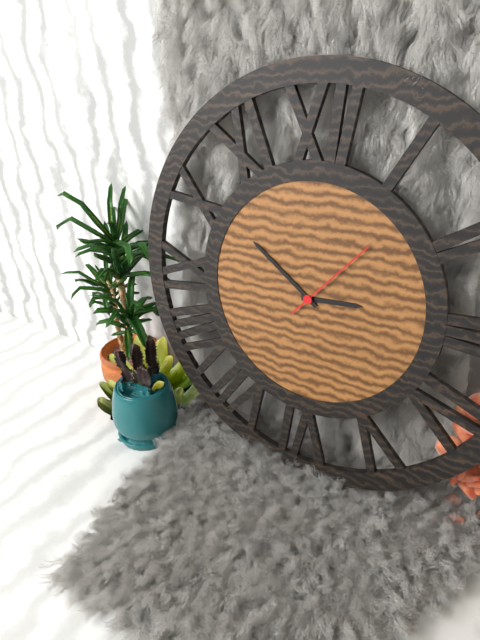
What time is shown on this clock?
2:51:07
